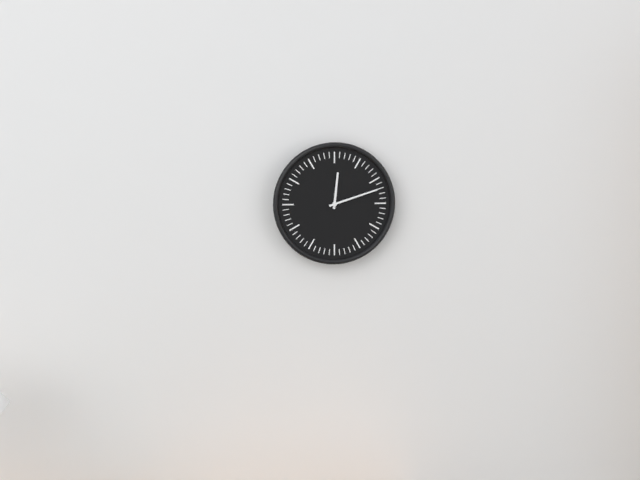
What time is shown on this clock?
12:12
